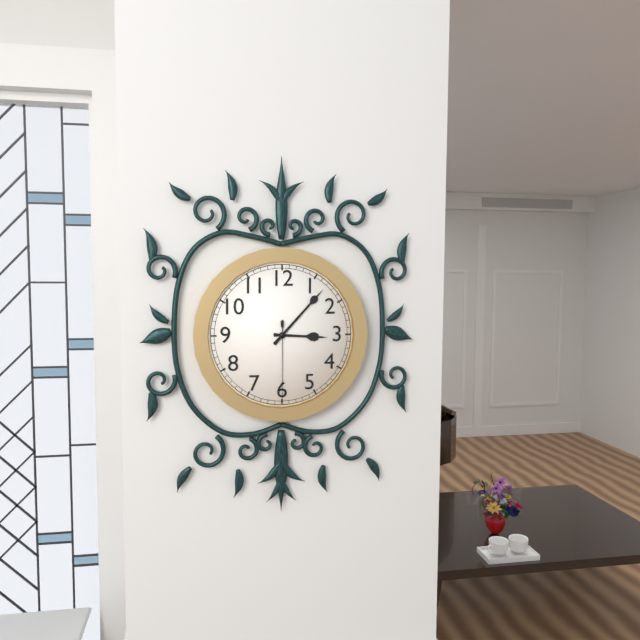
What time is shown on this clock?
3:07:30
